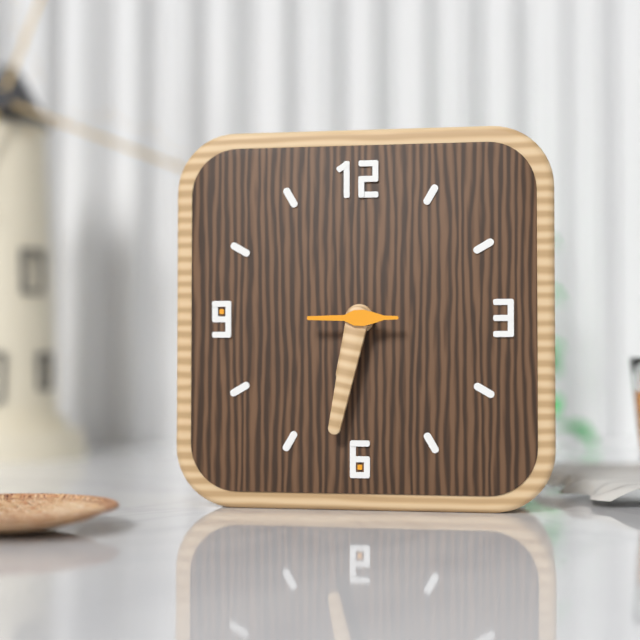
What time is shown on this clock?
6:32:45
